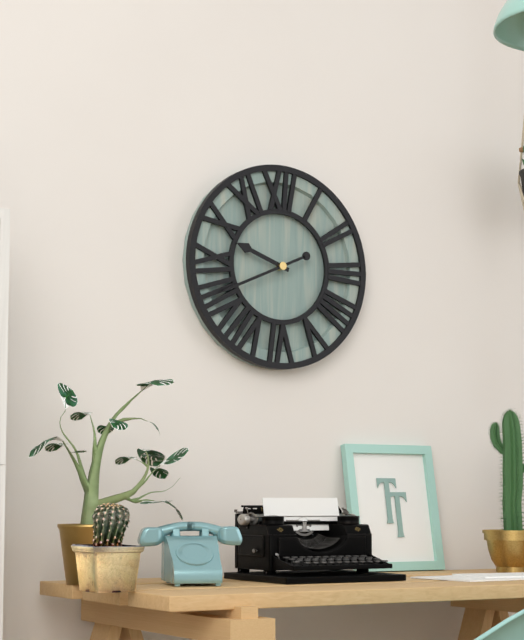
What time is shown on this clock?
9:41
